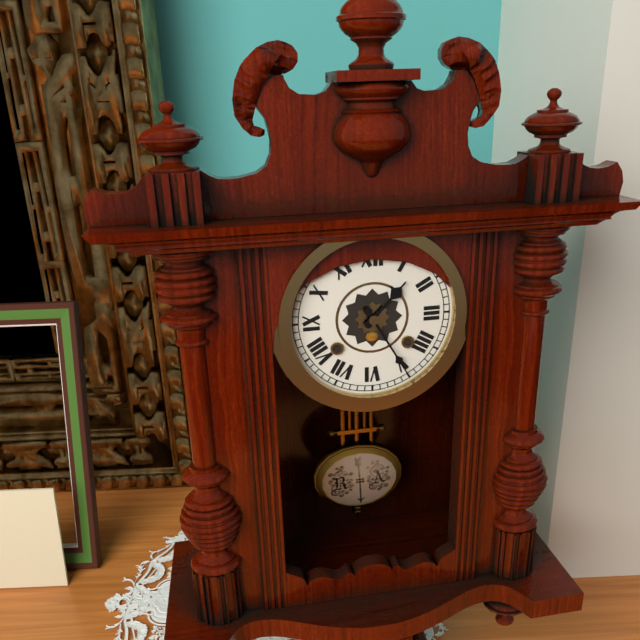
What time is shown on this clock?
1:25
